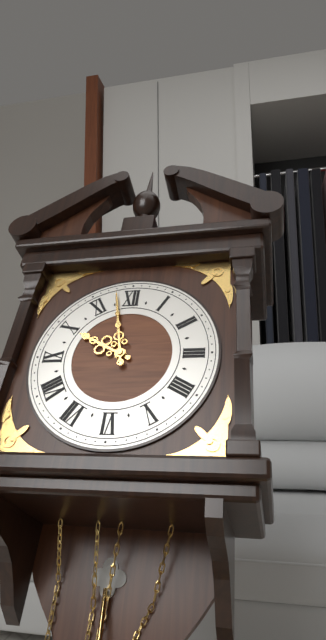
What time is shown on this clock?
9:58
